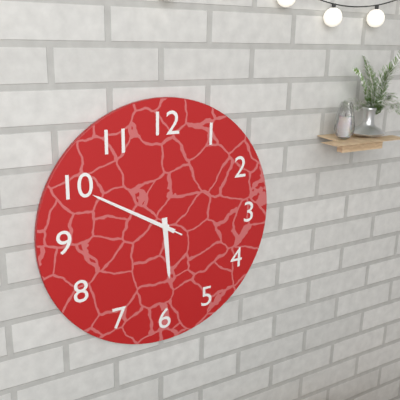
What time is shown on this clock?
5:50:50
